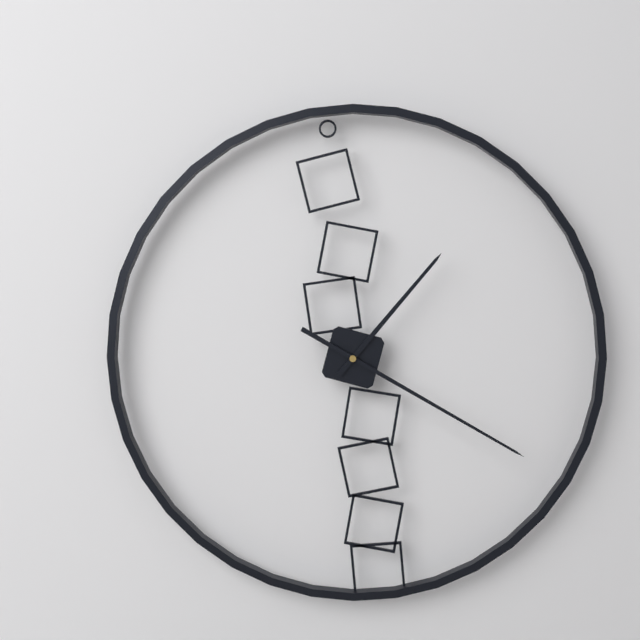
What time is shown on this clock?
1:20
